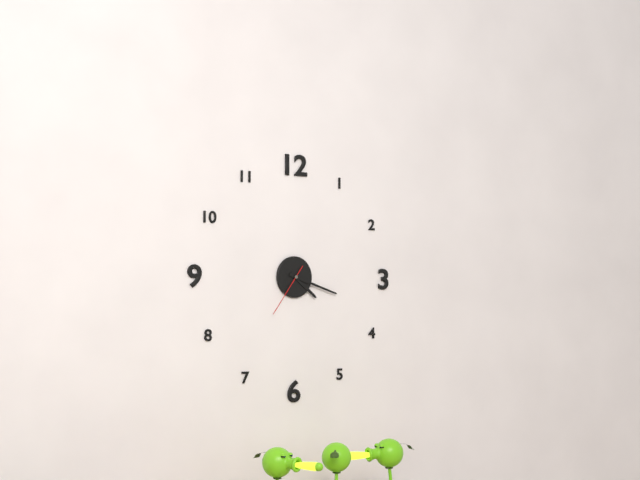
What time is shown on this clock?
4:18:36
